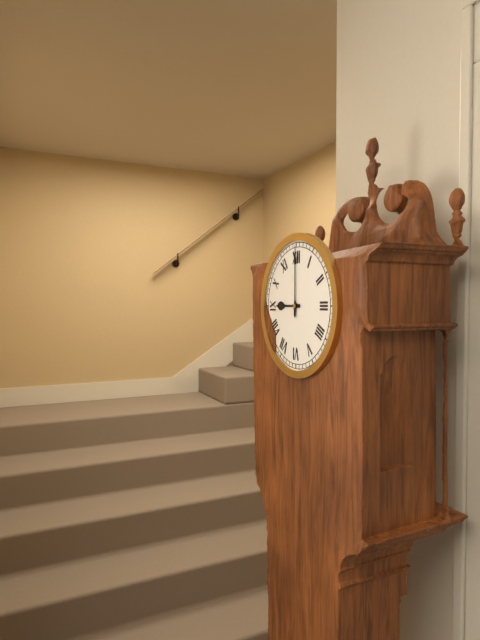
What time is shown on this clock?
9:00
